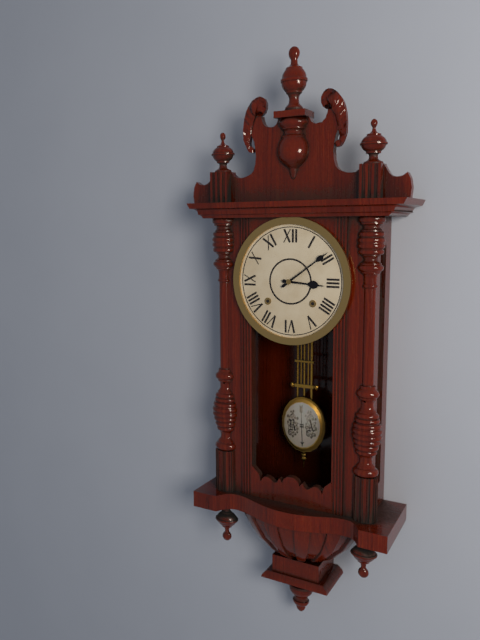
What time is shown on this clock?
3:09
